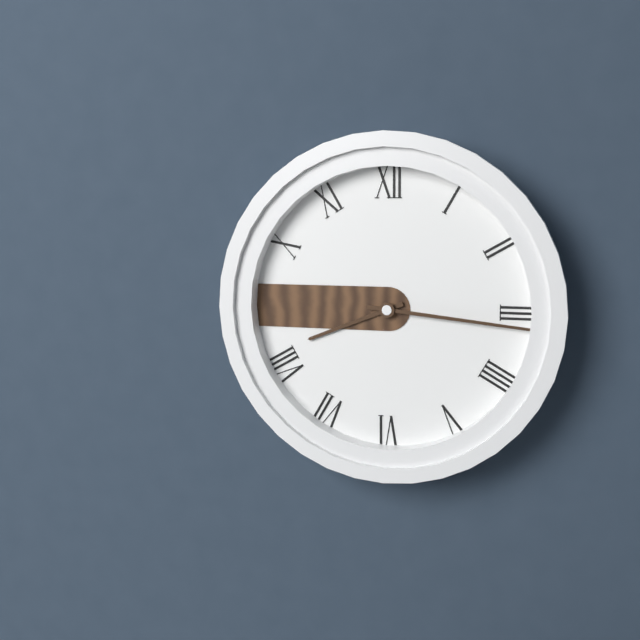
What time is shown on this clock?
8:16
